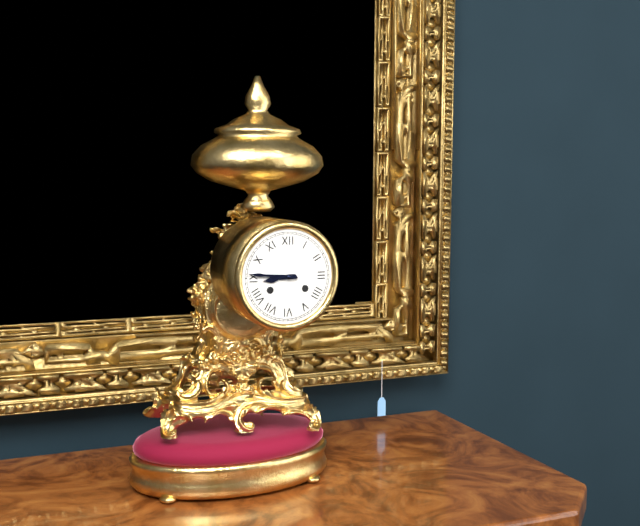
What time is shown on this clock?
8:46
